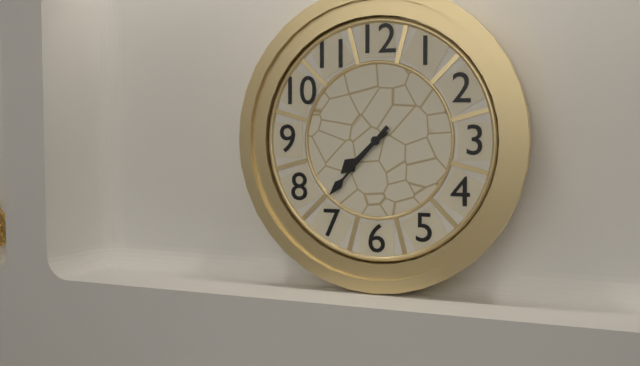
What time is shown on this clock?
7:37
